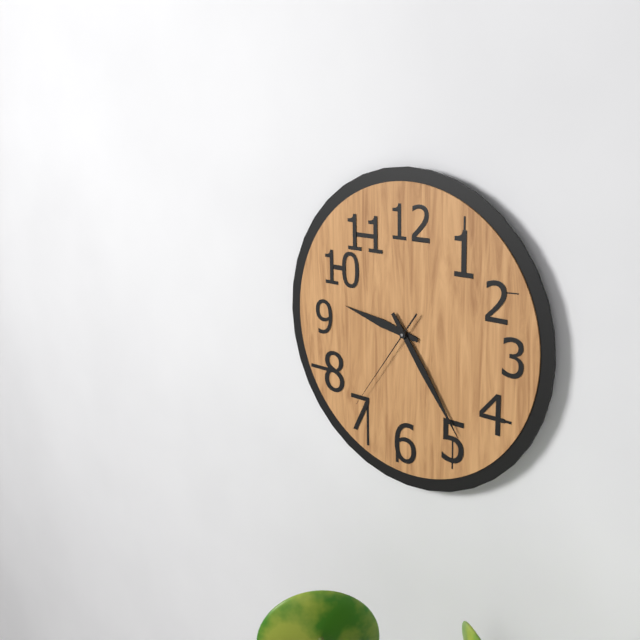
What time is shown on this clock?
9:24:36
